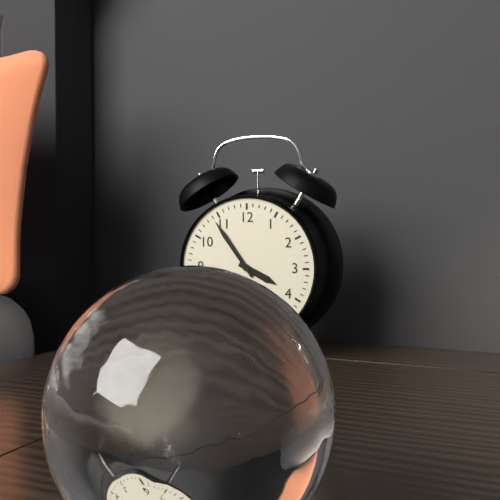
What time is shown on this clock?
3:54
